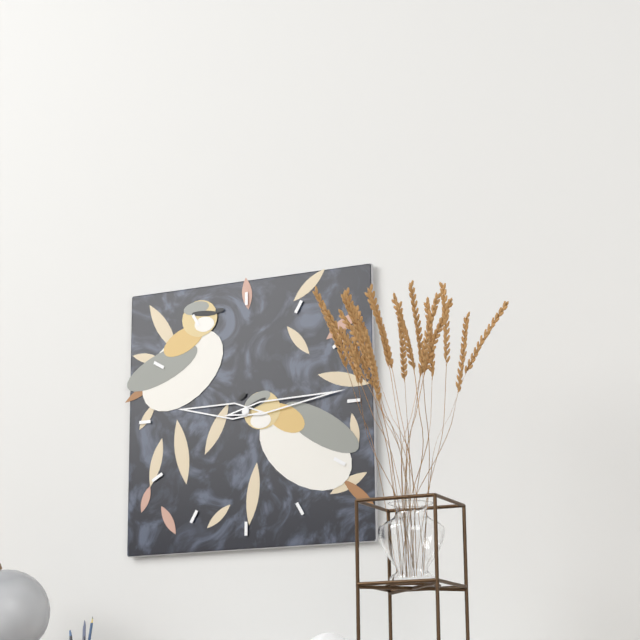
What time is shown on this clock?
9:14
